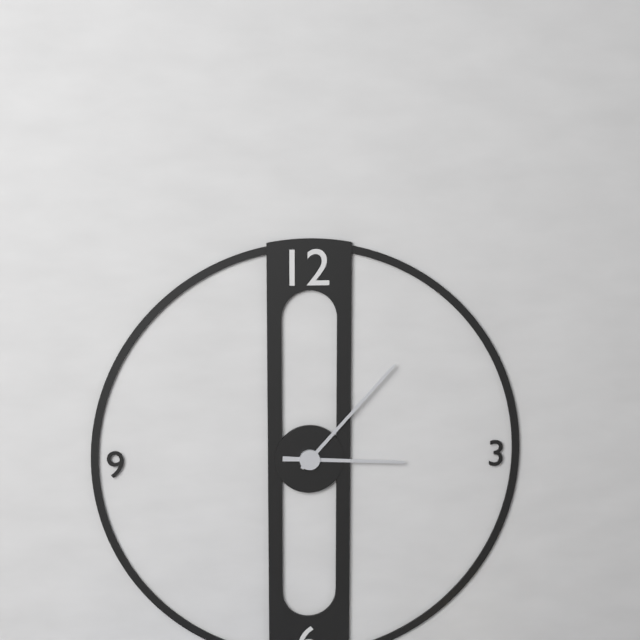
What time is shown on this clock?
3:07
